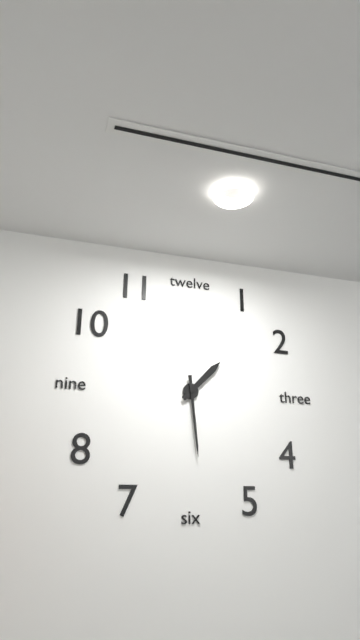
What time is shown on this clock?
1:29
